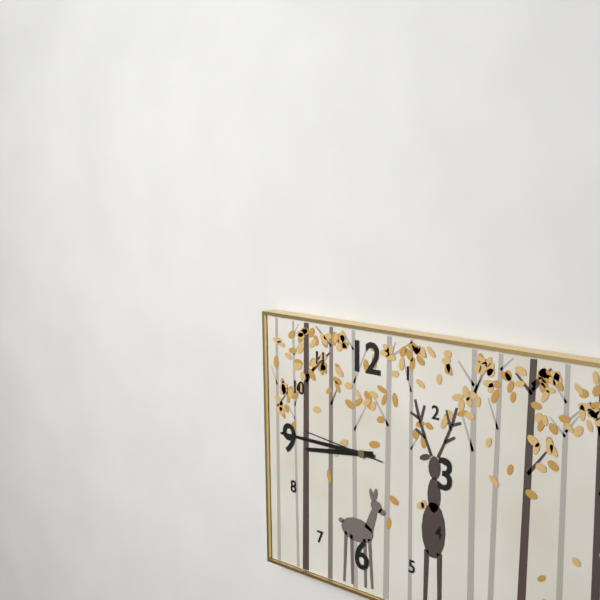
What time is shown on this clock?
8:45:46
